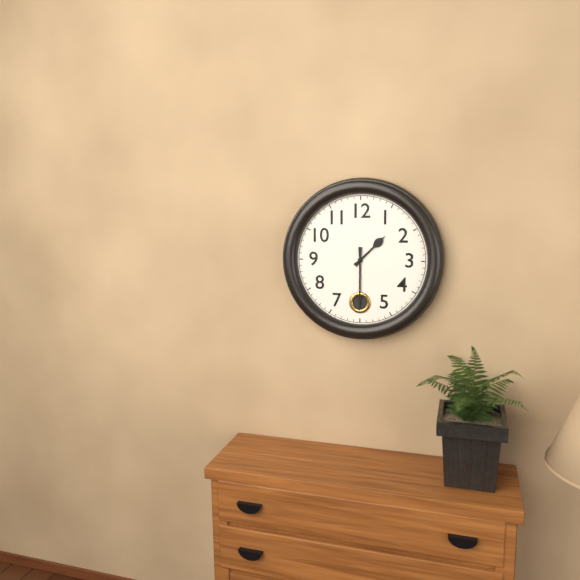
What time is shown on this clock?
1:30
